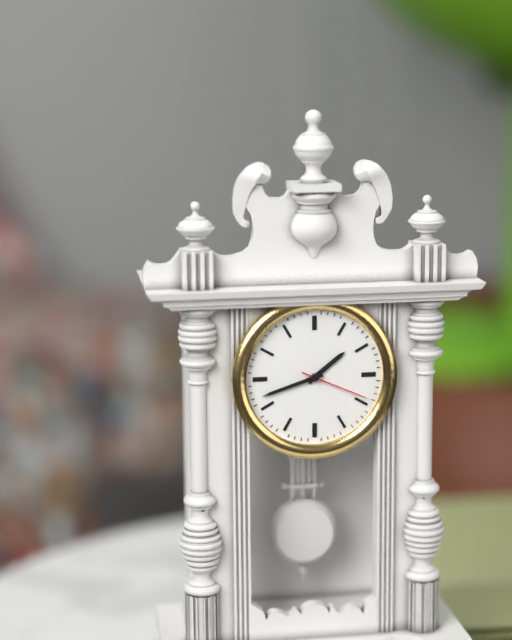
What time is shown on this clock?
1:42:19
